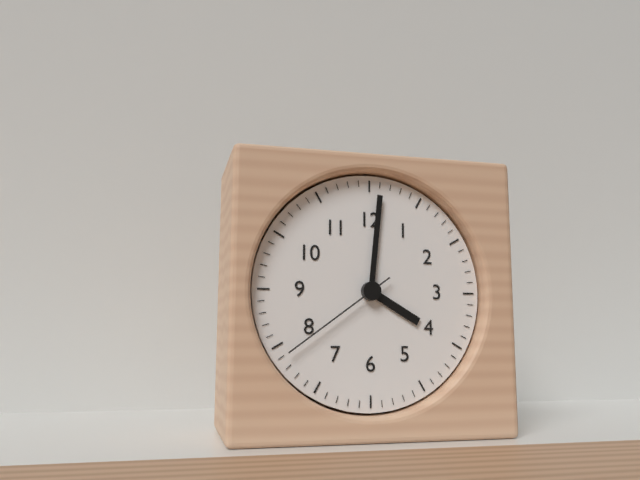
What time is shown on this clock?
4:01:39
